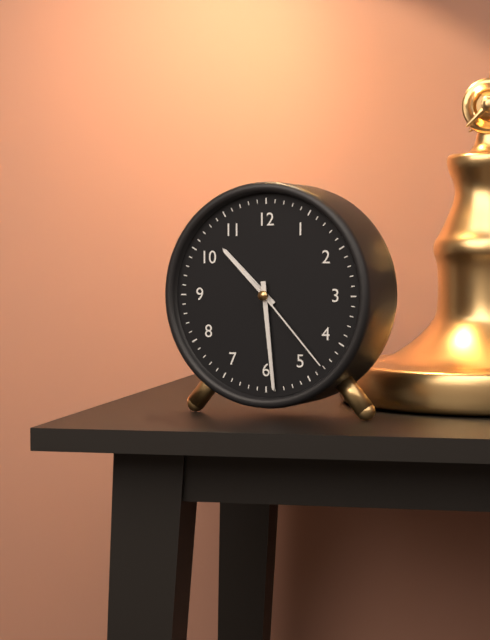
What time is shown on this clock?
10:29:23
